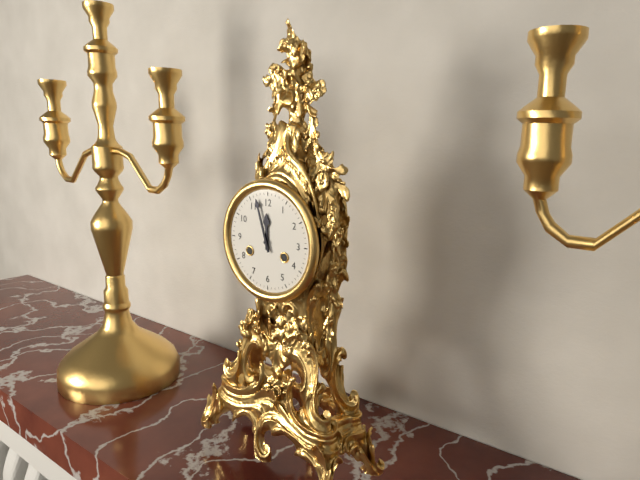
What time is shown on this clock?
11:57
